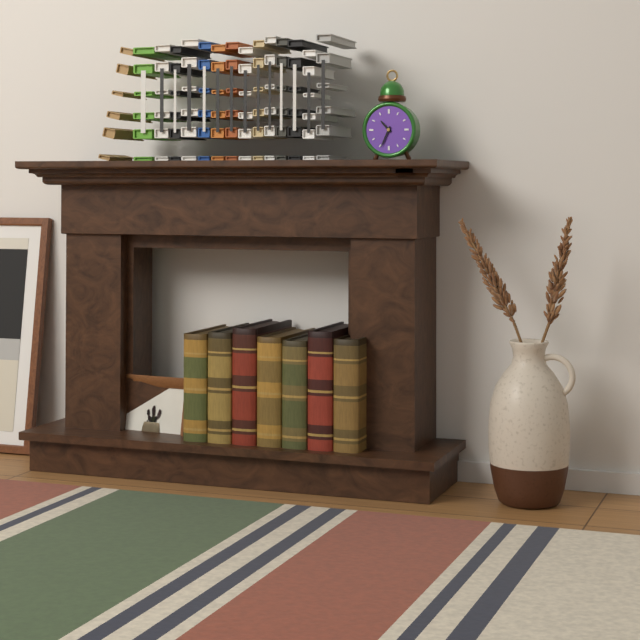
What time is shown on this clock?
10:34
